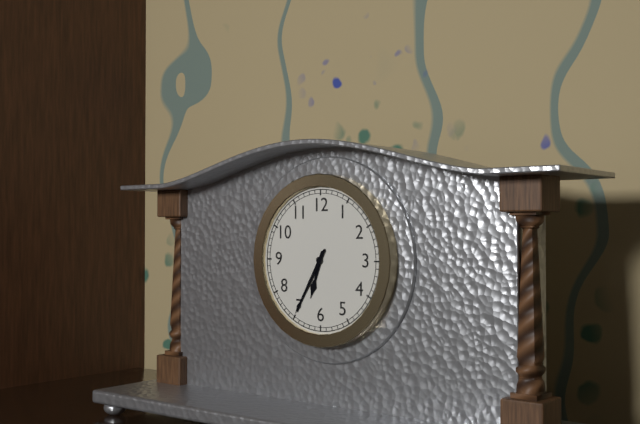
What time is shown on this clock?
6:35
